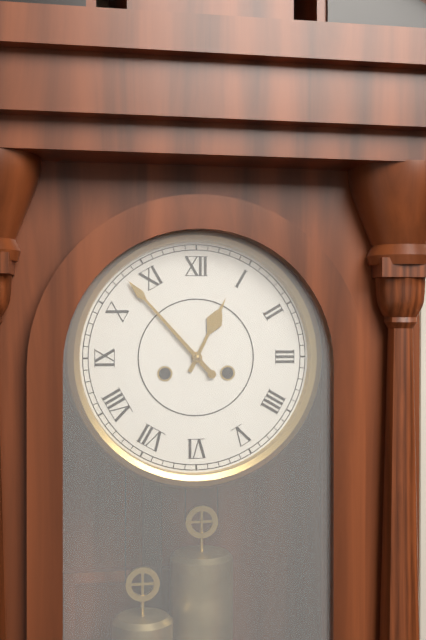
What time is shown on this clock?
12:53
